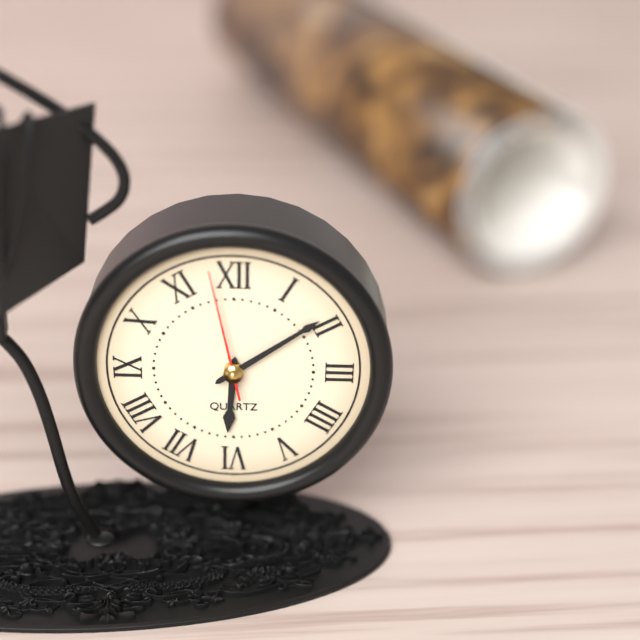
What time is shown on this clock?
6:09:58
